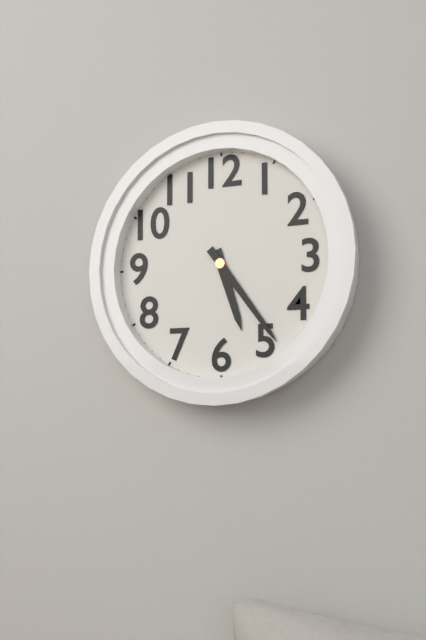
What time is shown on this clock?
5:24
